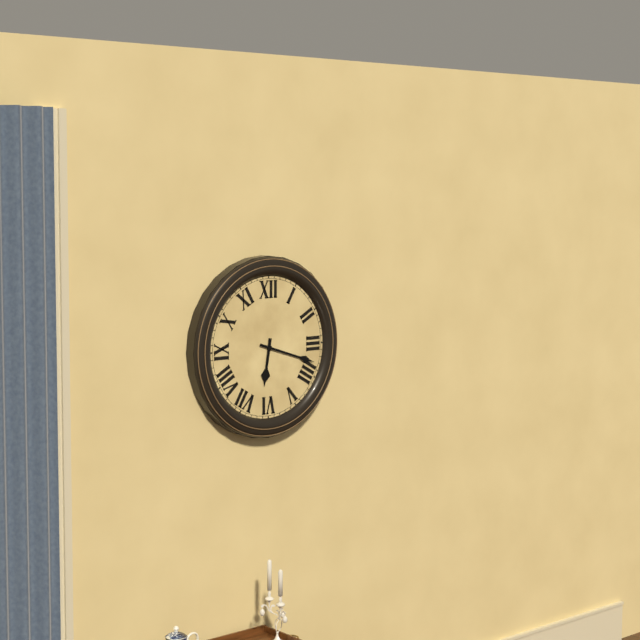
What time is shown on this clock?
6:18
